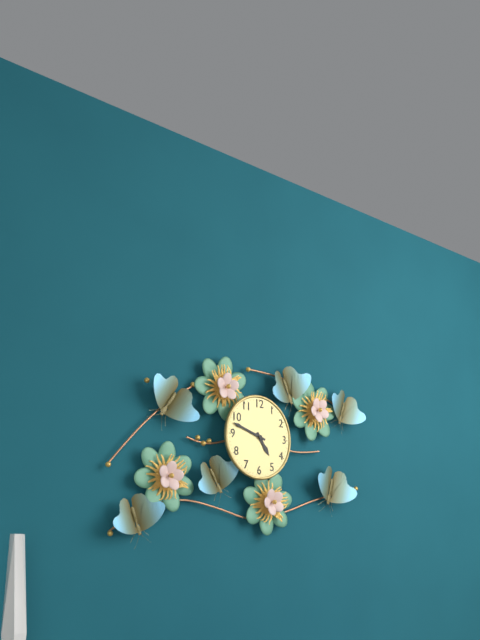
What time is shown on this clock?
4:48
